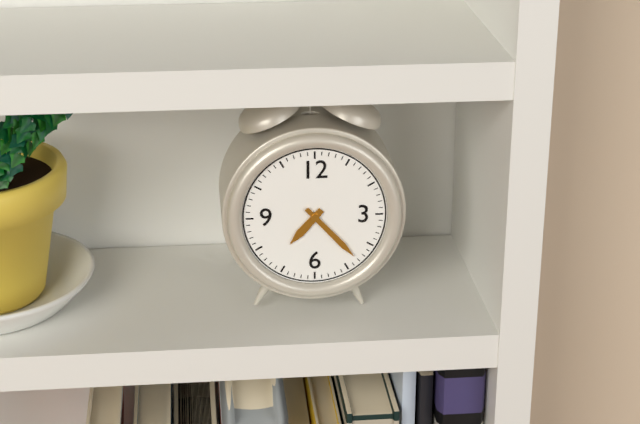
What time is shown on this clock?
7:23
